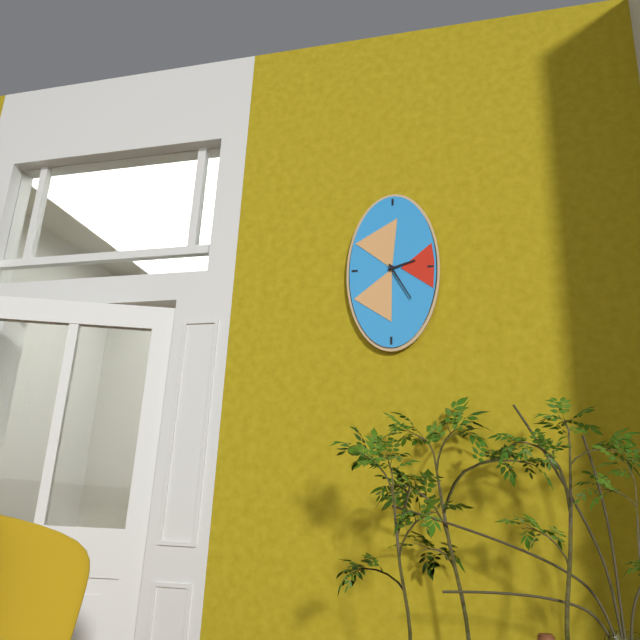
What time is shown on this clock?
2:25
